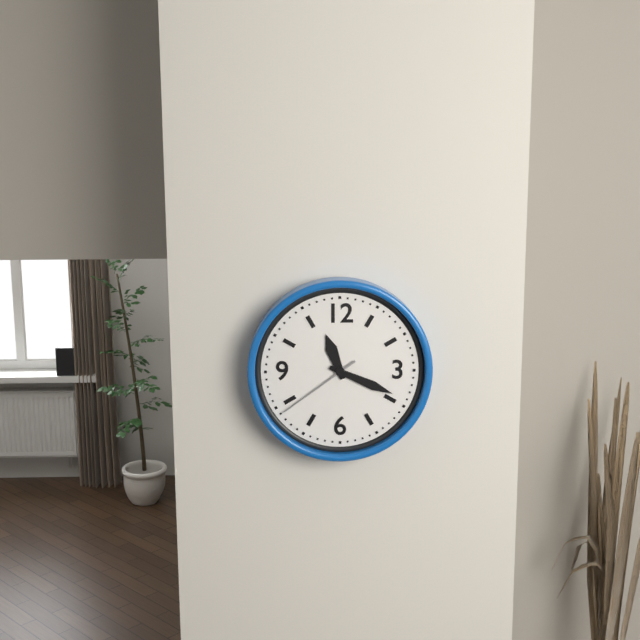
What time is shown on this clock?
11:19:39
